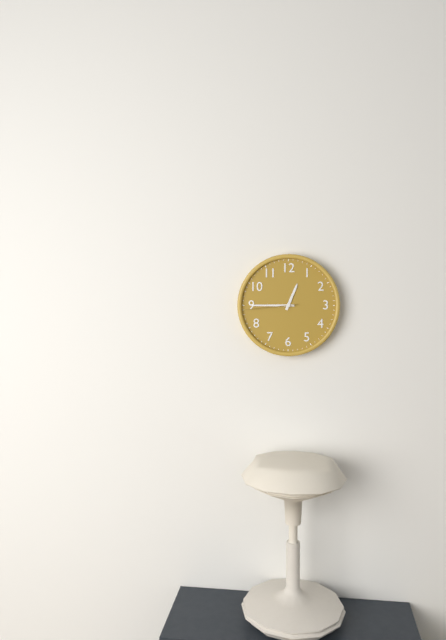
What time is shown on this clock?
12:45:44
